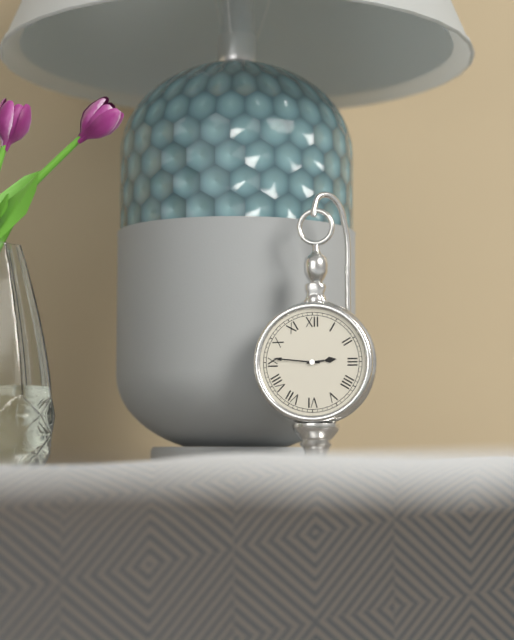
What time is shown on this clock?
2:46
